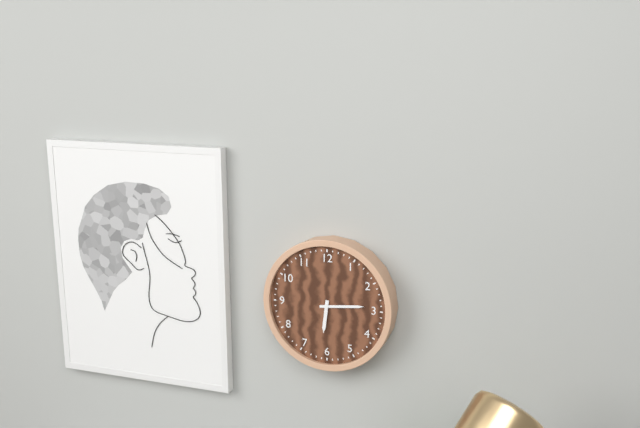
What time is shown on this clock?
6:14
